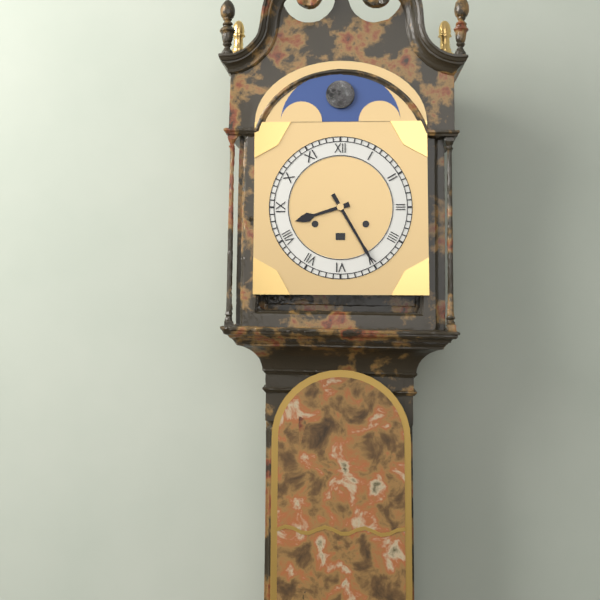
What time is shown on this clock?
8:25
